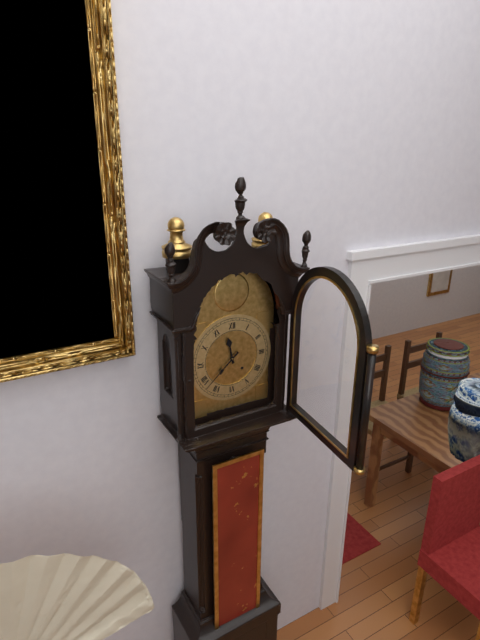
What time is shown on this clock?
11:38
